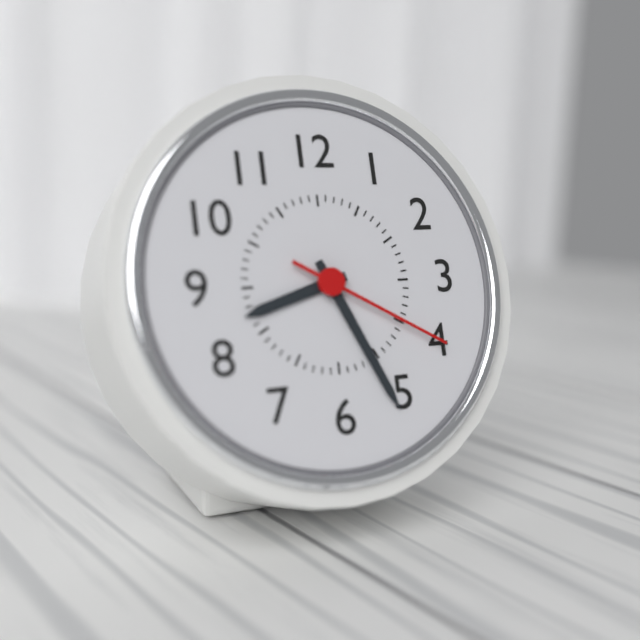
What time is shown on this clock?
8:26:20
